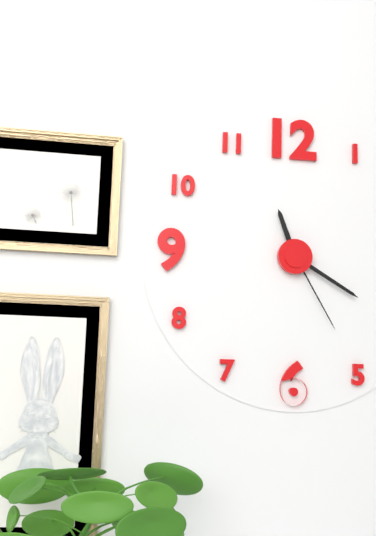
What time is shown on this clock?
11:20:25
